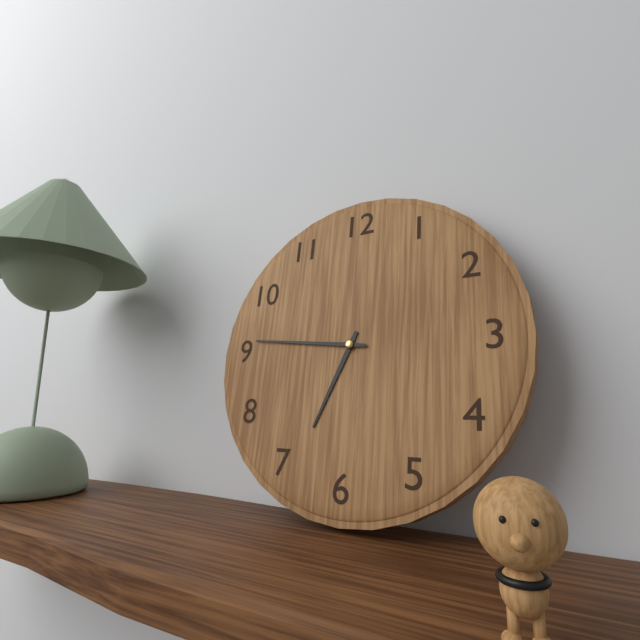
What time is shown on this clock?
6:46
